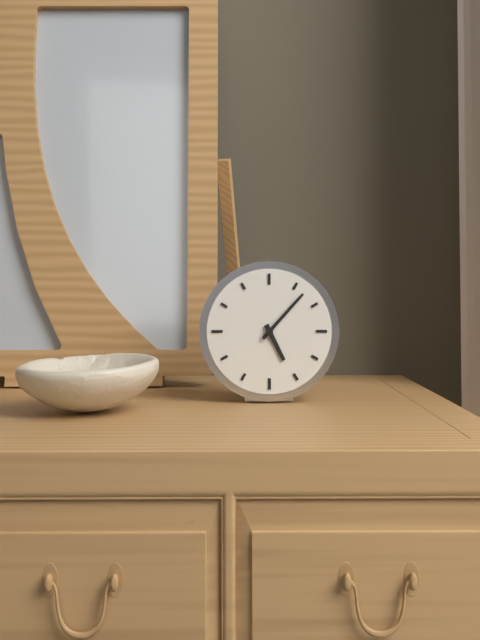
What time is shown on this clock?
5:07
